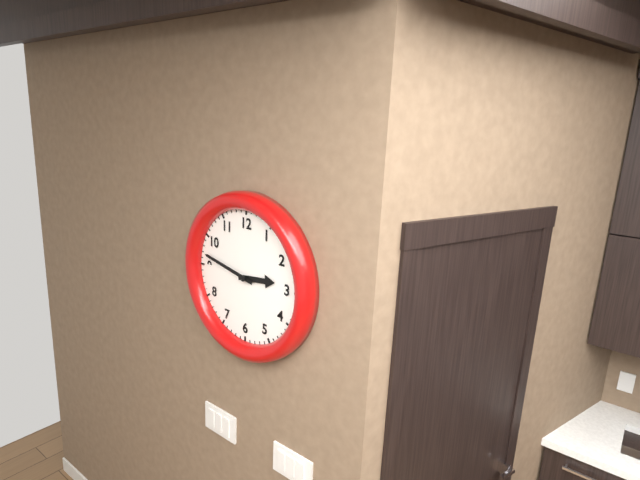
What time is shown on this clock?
2:47
